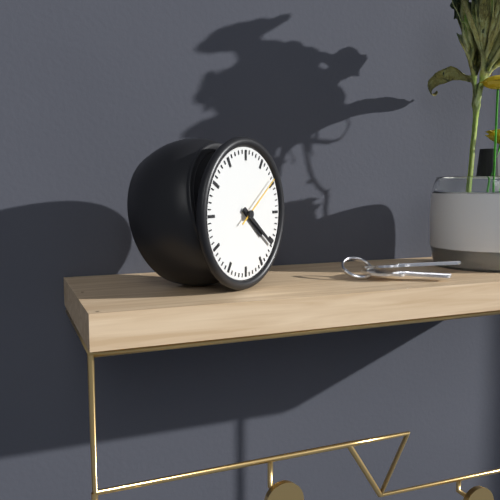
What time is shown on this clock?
4:21:09
